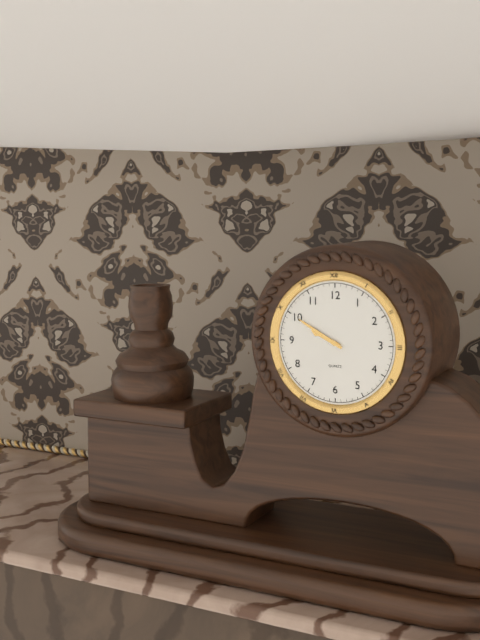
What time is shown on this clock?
9:50
